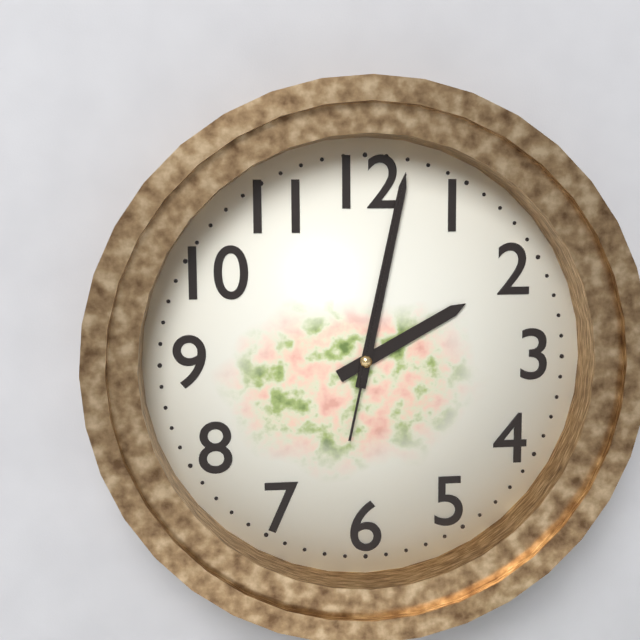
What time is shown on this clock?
2:02:02
